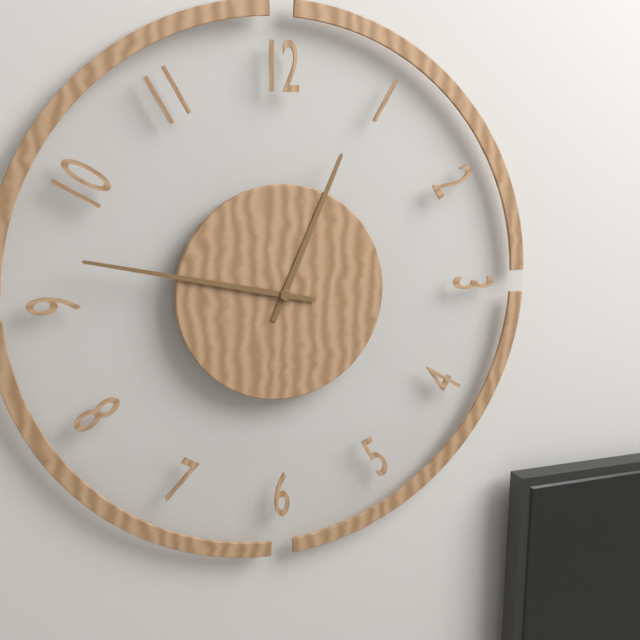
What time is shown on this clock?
12:47
